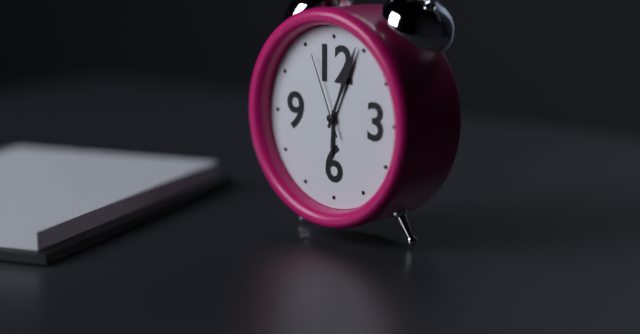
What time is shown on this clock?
6:04:56
